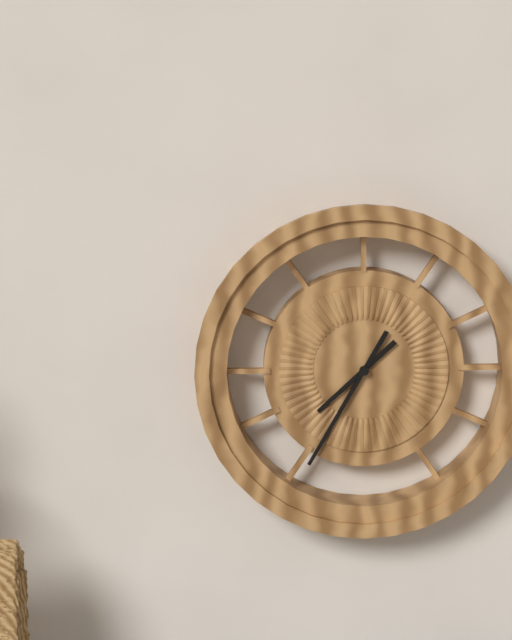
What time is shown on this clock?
7:35
